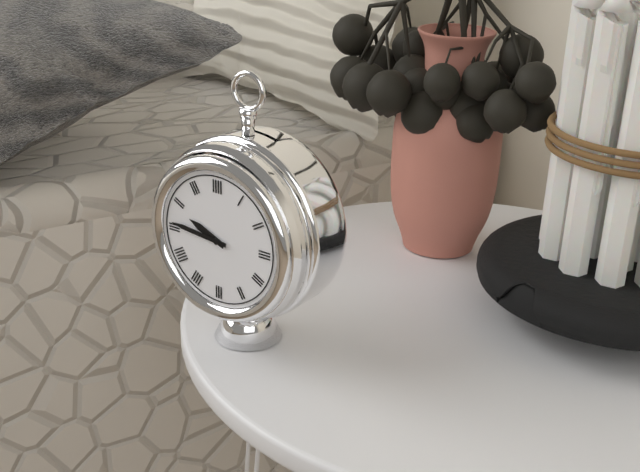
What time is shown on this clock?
9:46
